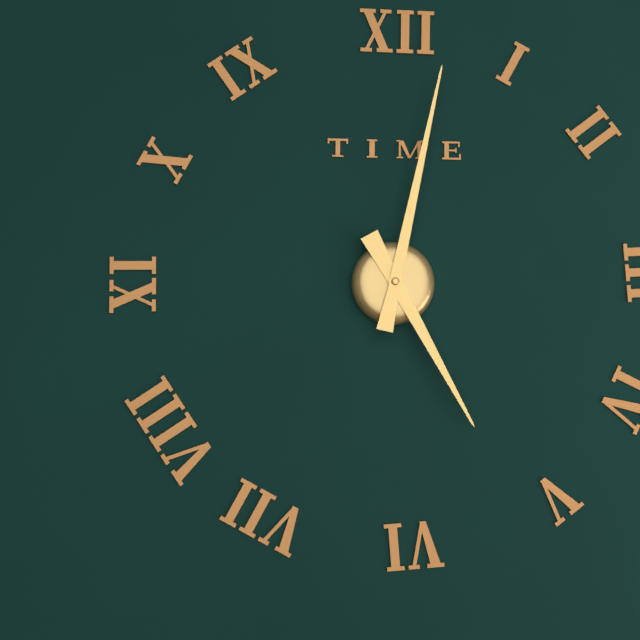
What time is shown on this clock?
5:02
